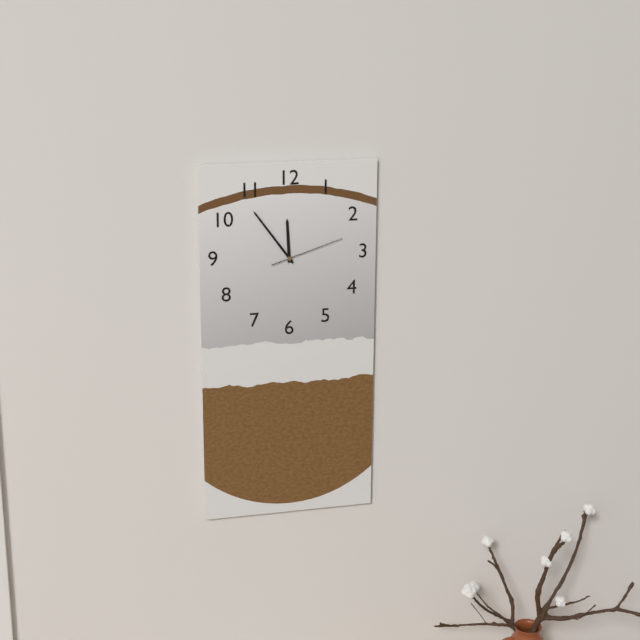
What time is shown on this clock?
11:54:12
